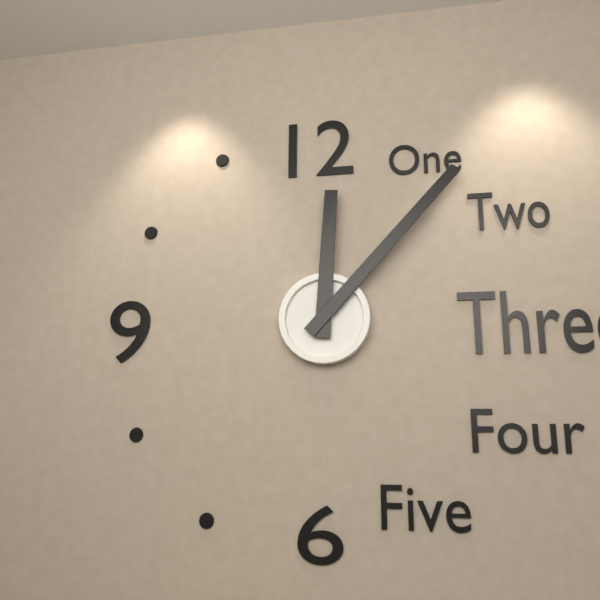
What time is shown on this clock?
12:07
